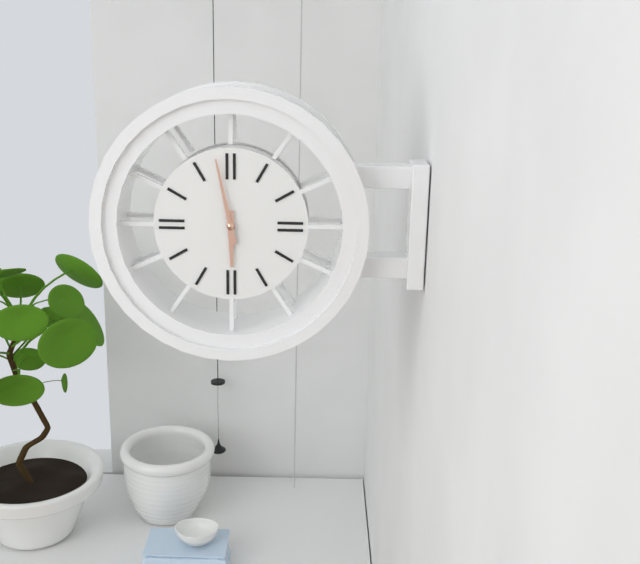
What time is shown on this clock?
5:58
